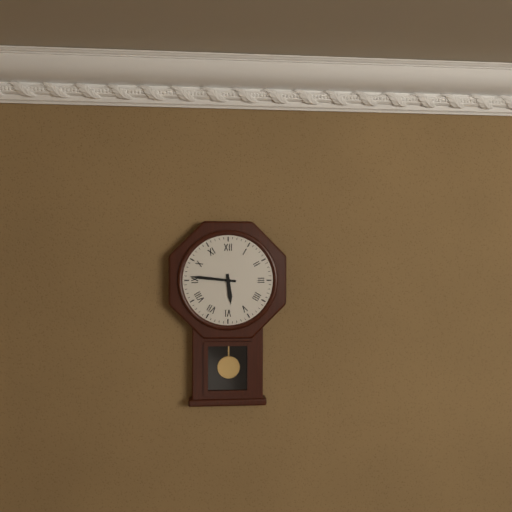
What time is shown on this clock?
5:46
